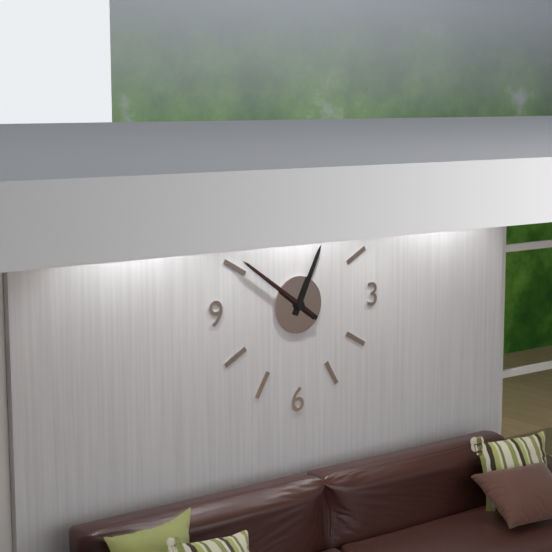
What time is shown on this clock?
12:51:51
